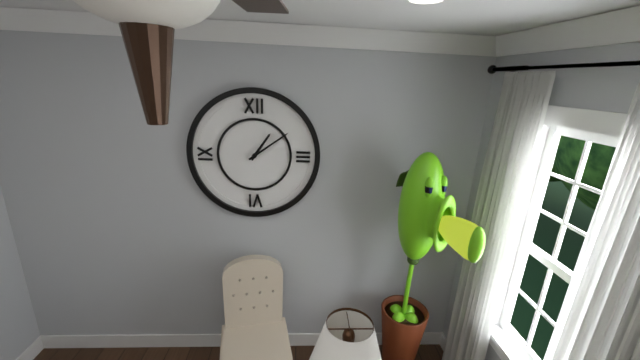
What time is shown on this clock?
1:09
